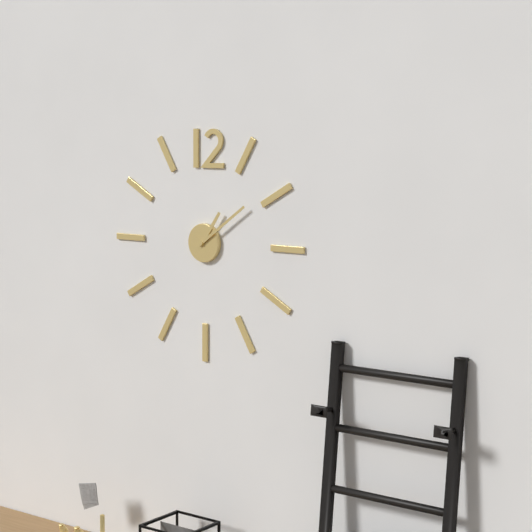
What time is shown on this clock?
1:09
